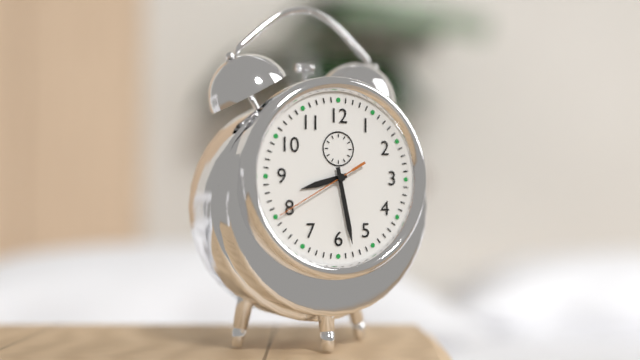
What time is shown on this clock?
8:28:40
